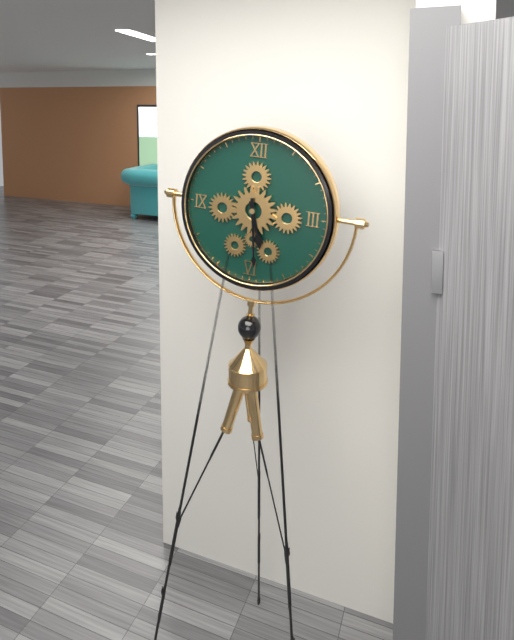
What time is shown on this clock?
5:29
